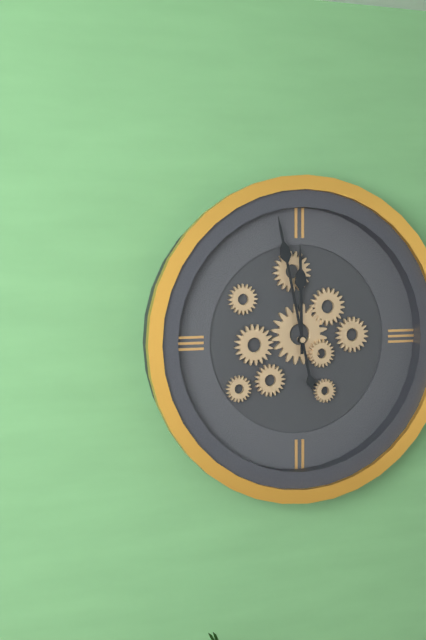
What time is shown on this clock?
11:58
